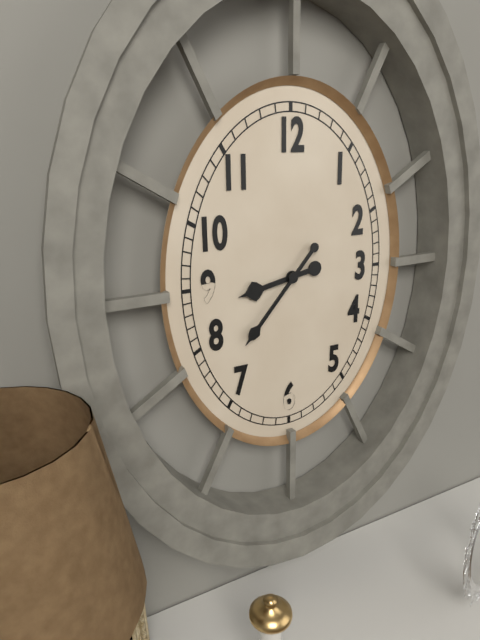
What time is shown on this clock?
8:37
